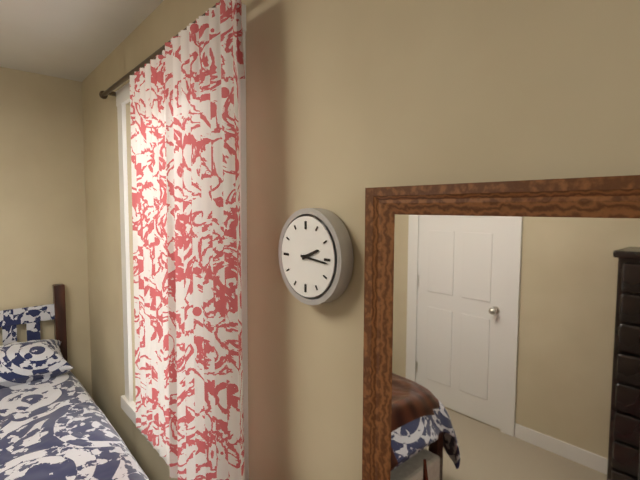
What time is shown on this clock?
2:16
